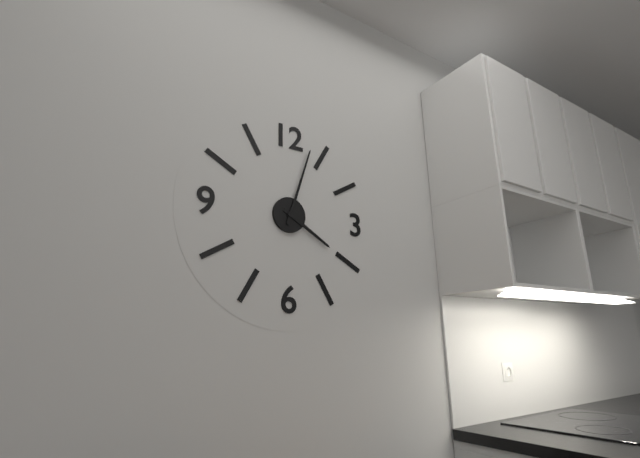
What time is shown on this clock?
4:03
